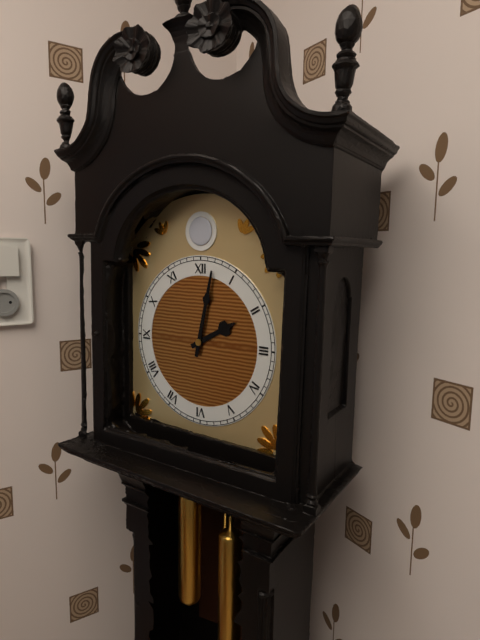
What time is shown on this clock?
2:02
